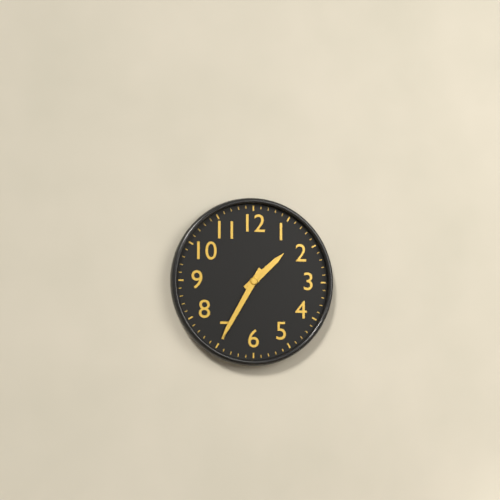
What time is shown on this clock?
1:35
